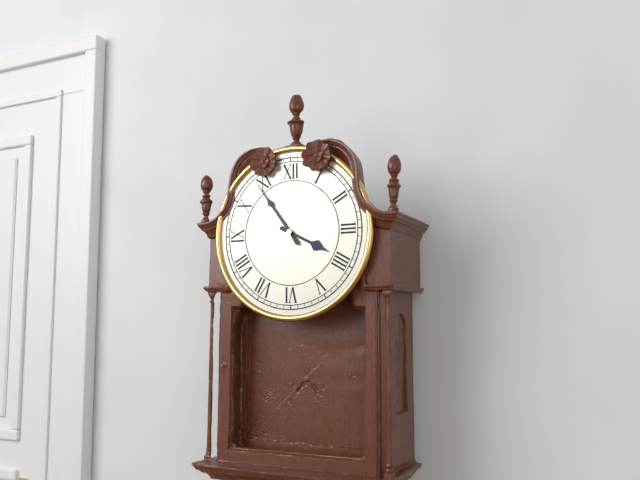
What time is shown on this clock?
3:54
